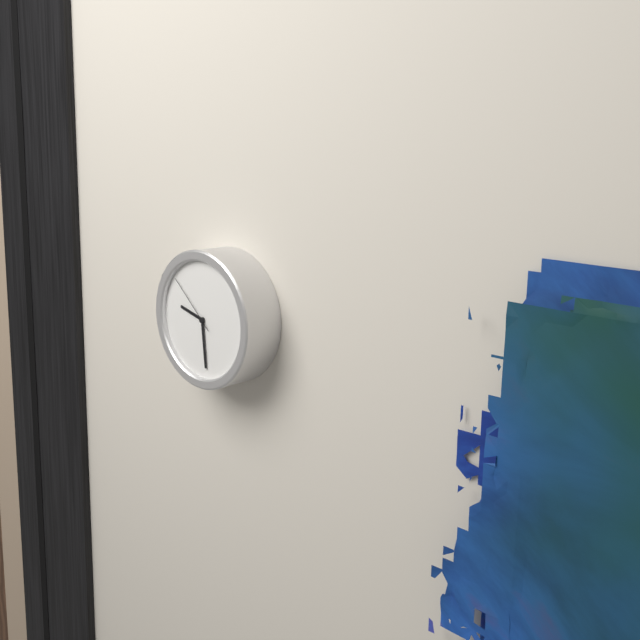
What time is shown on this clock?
9:29:52
